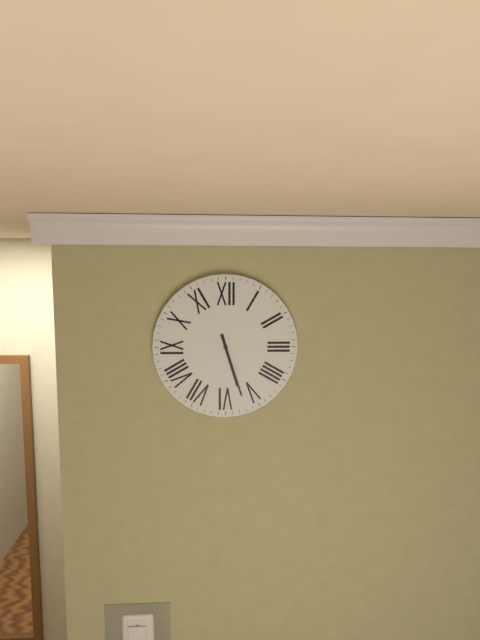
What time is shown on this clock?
5:27
